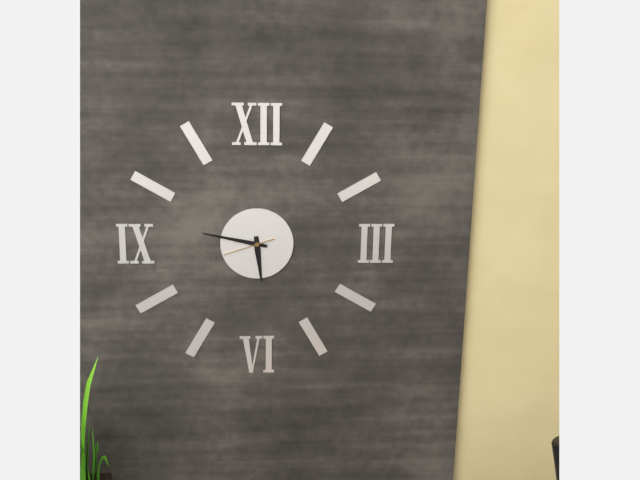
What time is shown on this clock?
5:47
